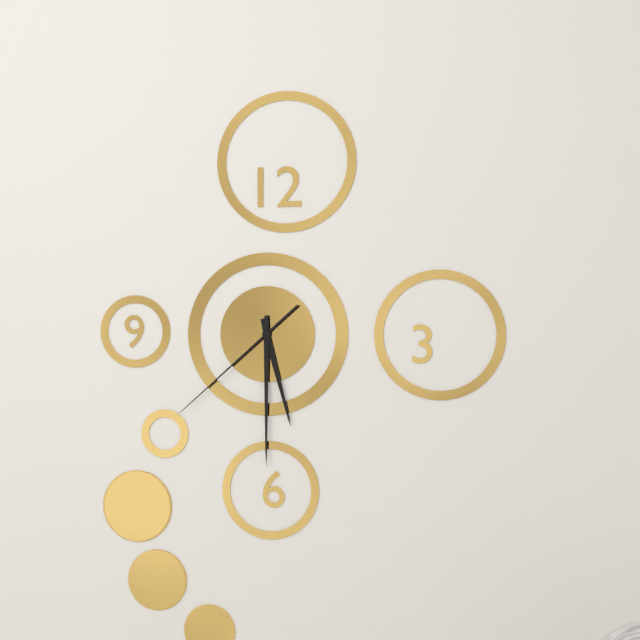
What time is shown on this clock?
5:30:38
